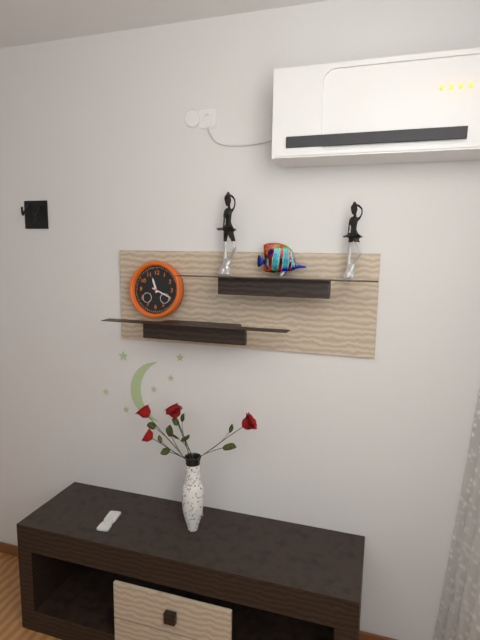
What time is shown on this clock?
11:19
